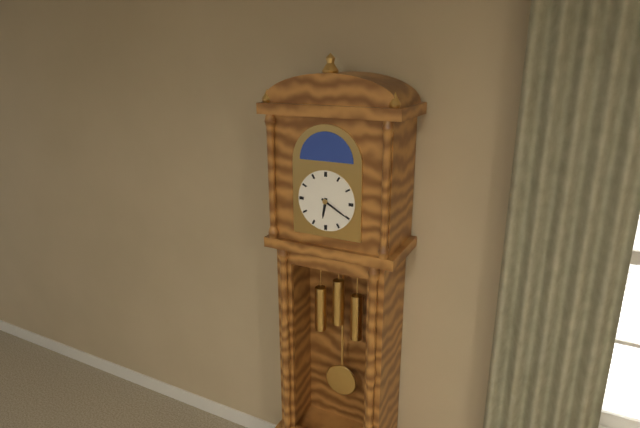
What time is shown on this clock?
6:20
